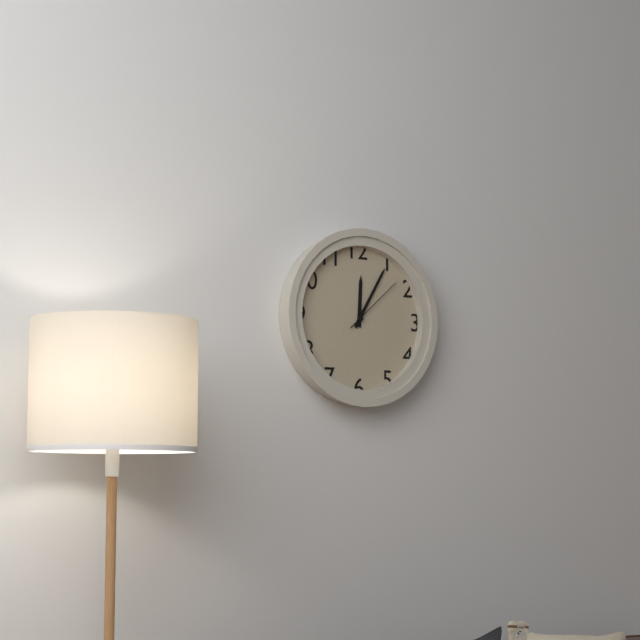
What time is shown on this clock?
12:05:08
